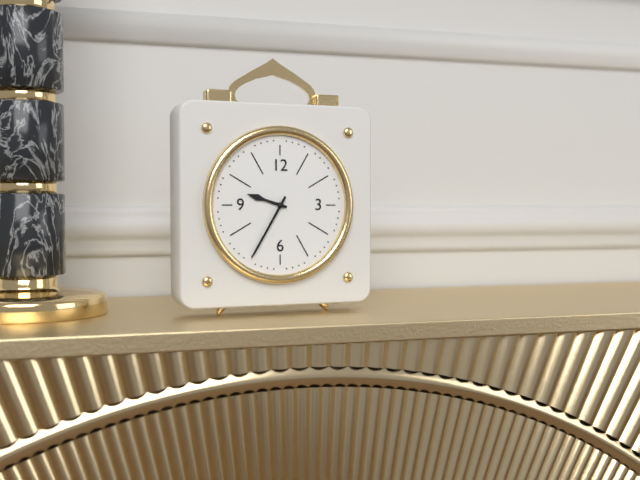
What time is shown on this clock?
9:35
